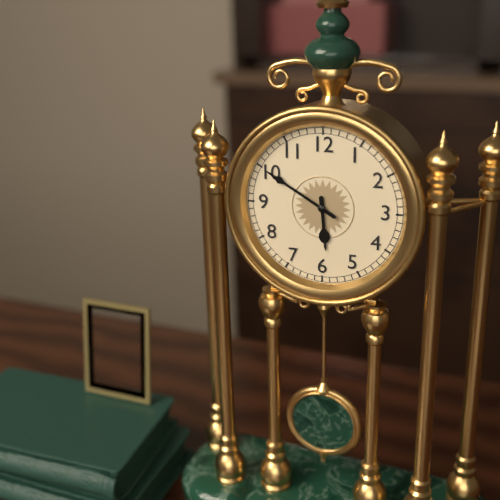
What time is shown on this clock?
5:50
